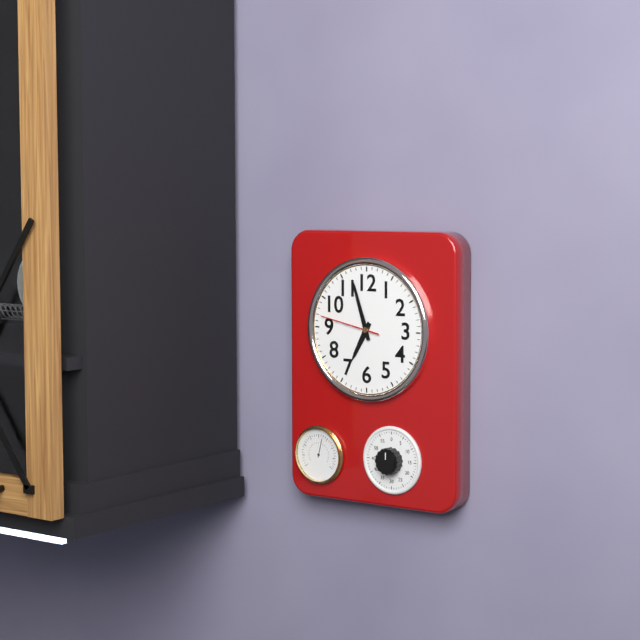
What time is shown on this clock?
6:57:47
